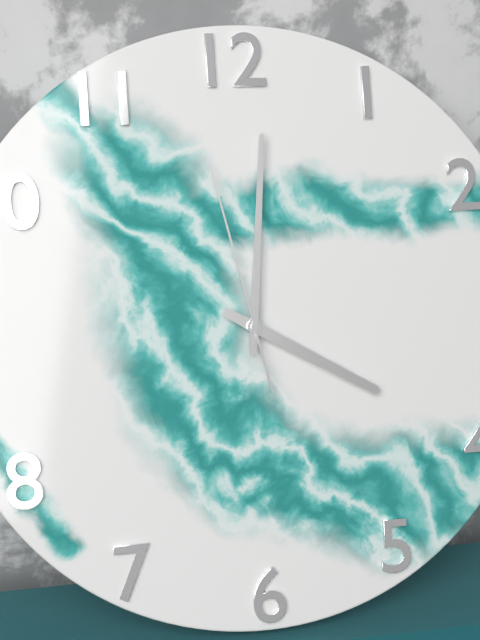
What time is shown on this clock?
4:01:58
